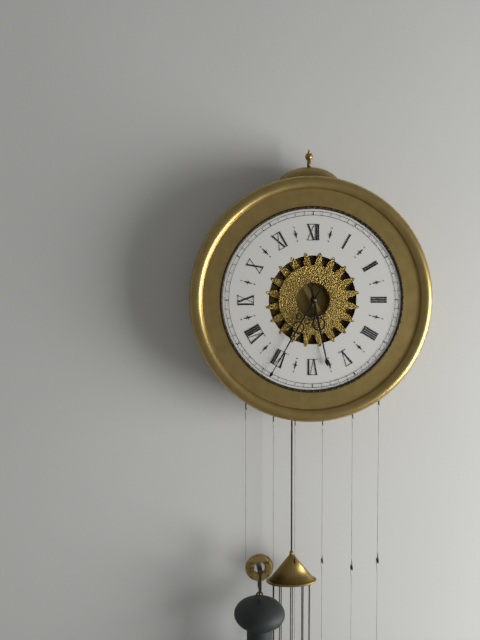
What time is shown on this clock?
5:35
